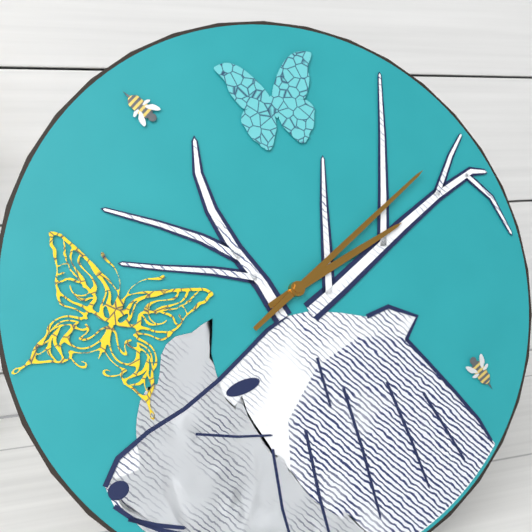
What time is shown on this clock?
2:09
